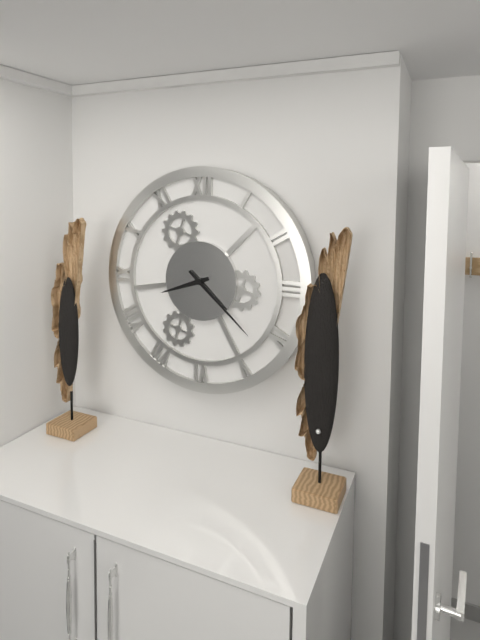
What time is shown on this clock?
8:22
